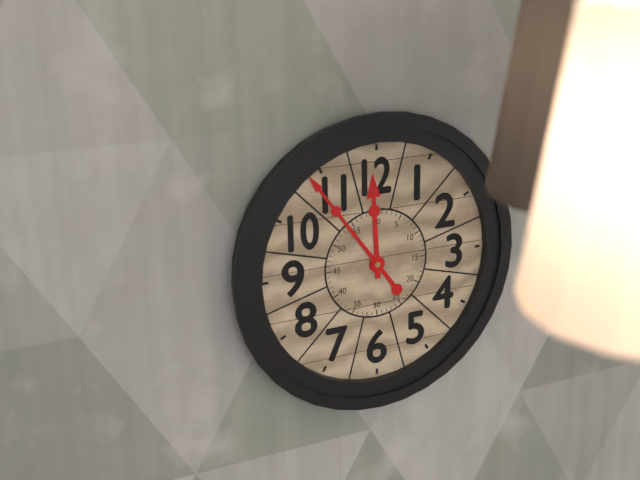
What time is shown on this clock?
11:54
